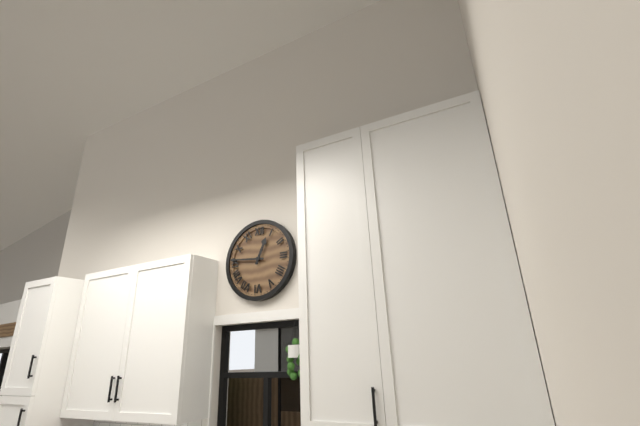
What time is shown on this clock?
12:46
